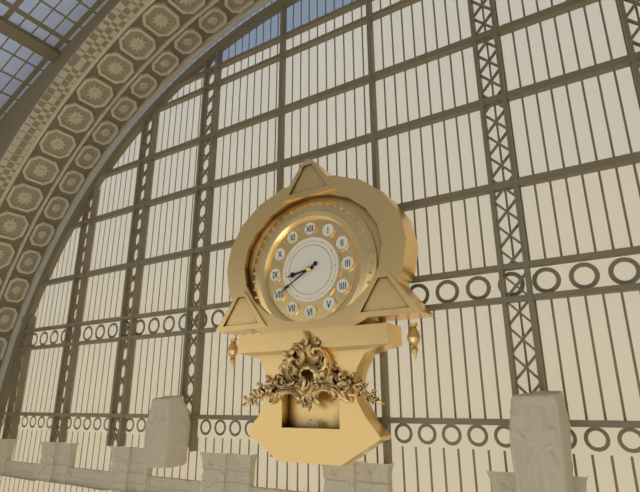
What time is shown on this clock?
8:40
